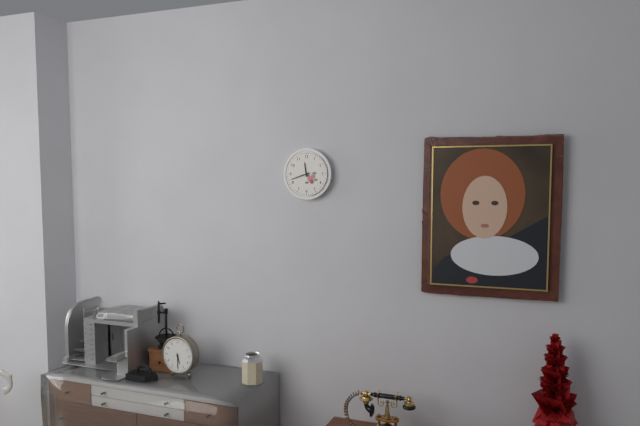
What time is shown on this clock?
11:42
